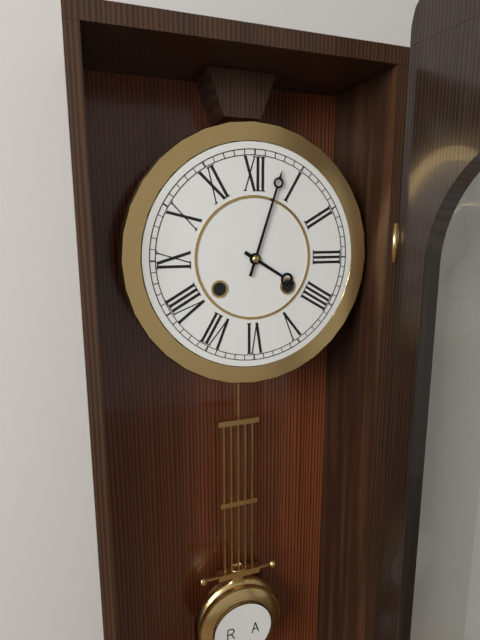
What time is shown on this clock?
4:03
